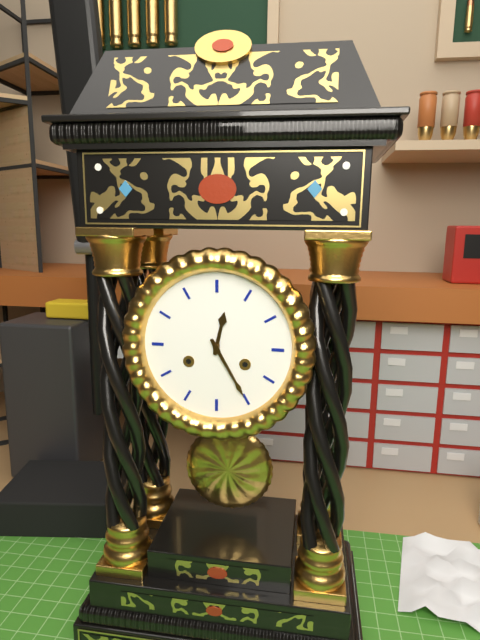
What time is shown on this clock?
12:25
